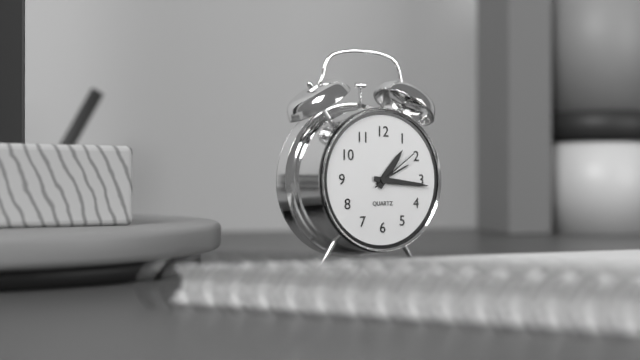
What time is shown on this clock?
1:16
